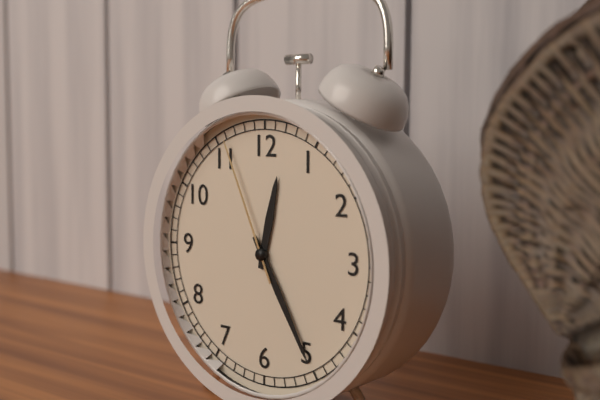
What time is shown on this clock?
12:25:56
